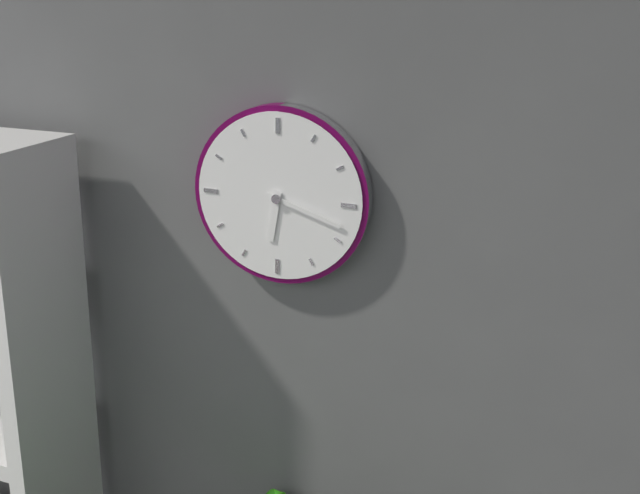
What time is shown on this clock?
6:18
